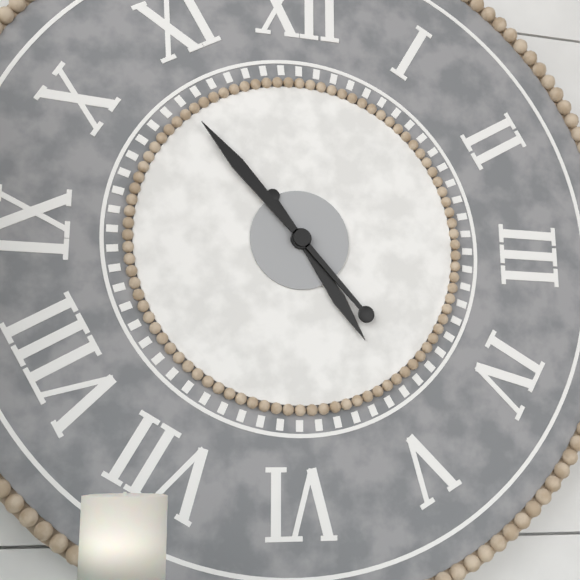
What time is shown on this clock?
4:53
